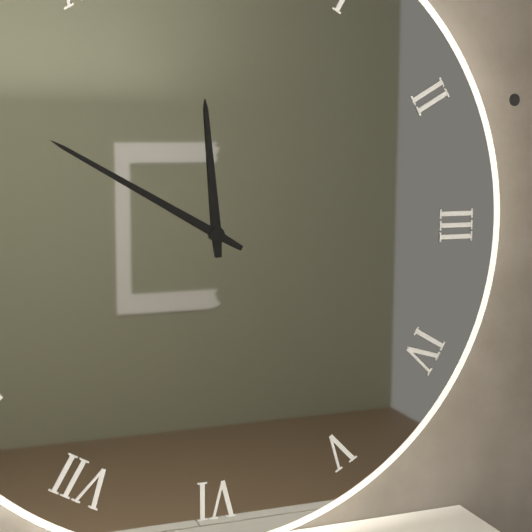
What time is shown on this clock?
11:50
